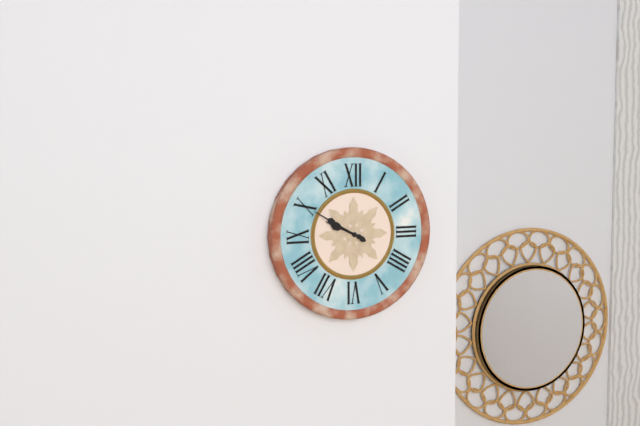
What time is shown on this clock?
9:50
